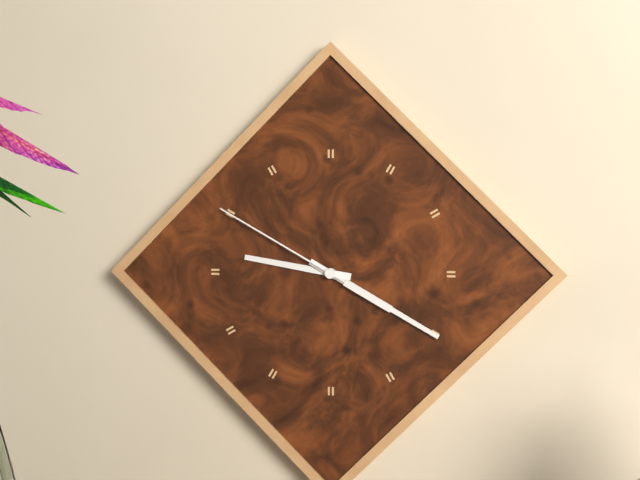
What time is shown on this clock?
9:20:50
